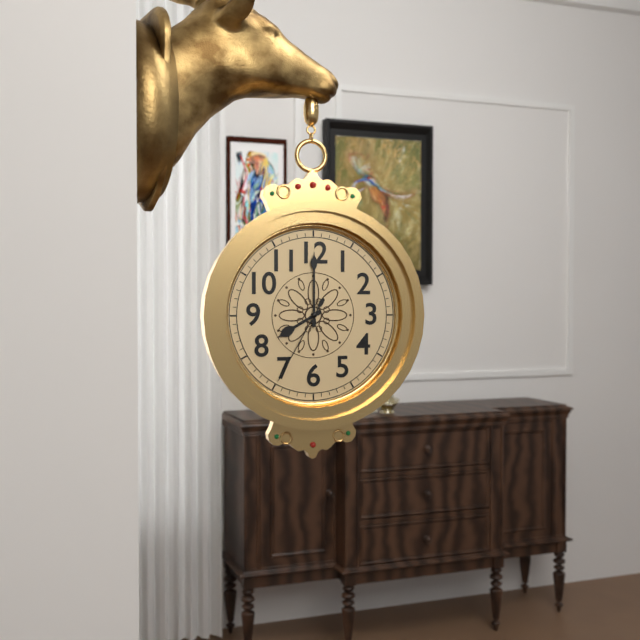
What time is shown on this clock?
8:00:35
